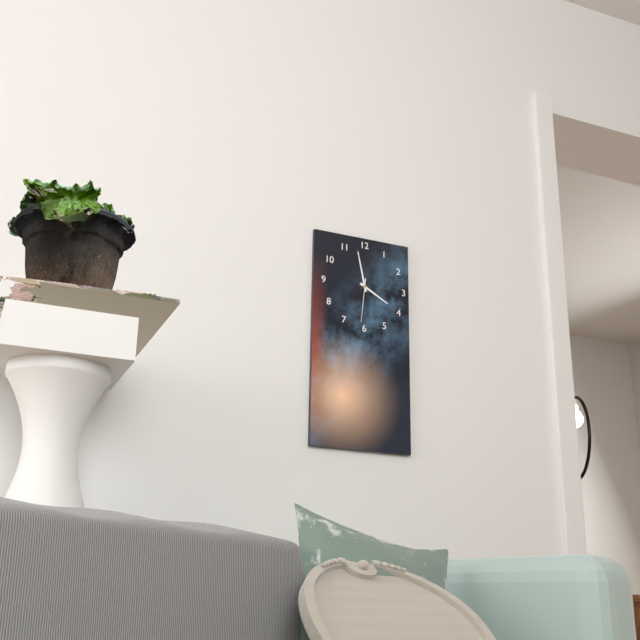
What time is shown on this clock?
3:58
